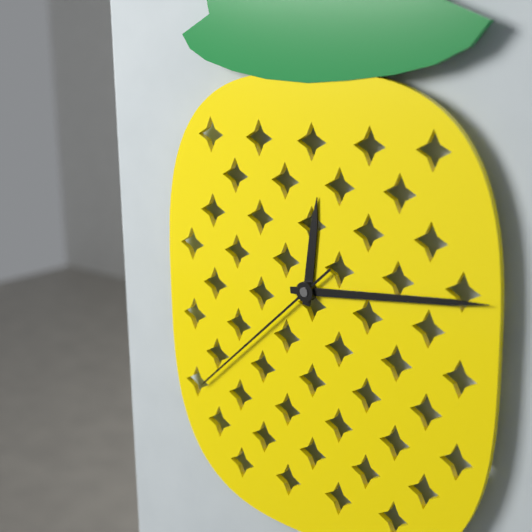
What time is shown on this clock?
12:14:38
